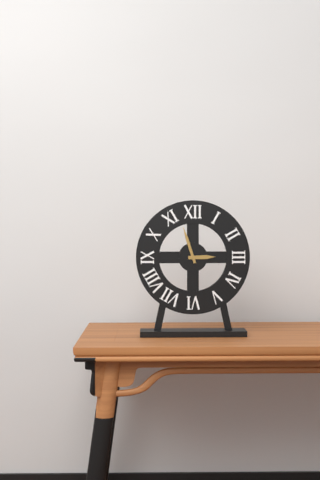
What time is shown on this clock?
2:57
